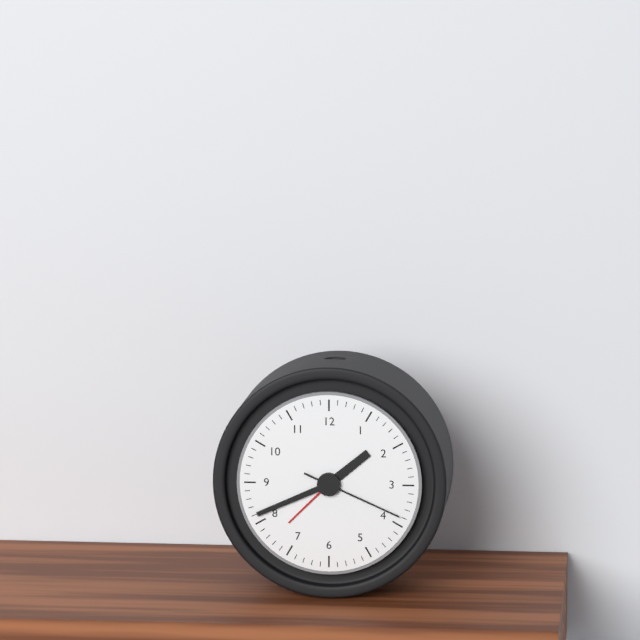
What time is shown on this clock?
1:41:19
